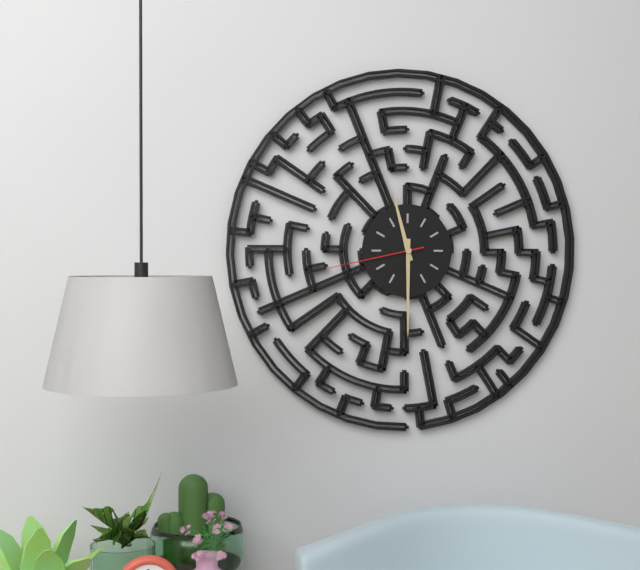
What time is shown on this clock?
11:30:43
